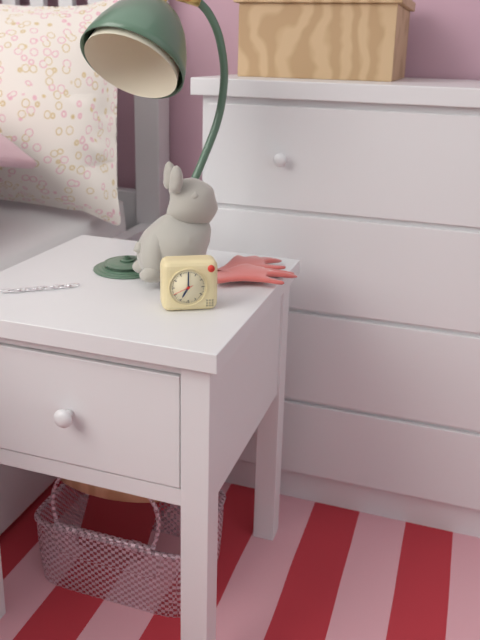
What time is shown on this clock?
7:00
